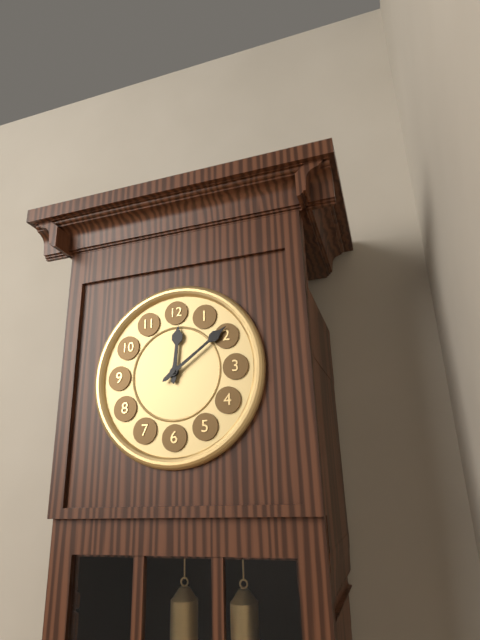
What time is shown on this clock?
12:09
